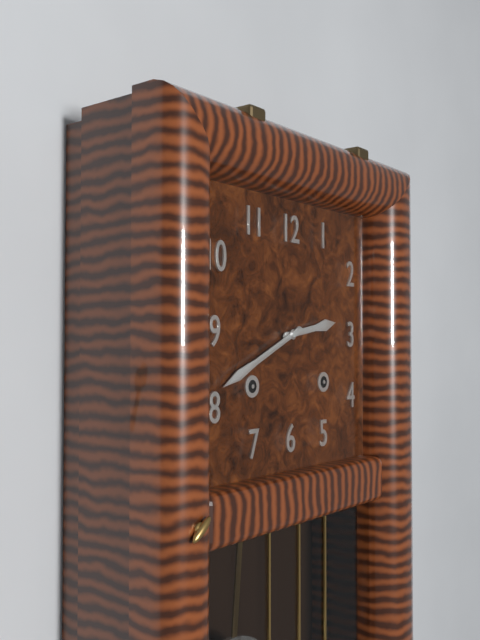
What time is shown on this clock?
2:41
